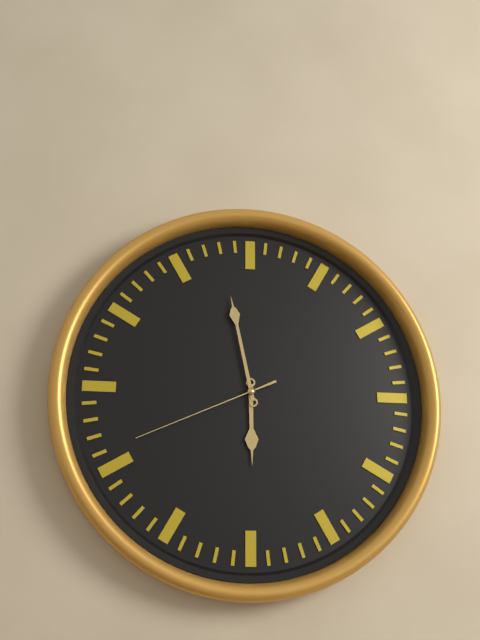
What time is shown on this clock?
5:58:41
